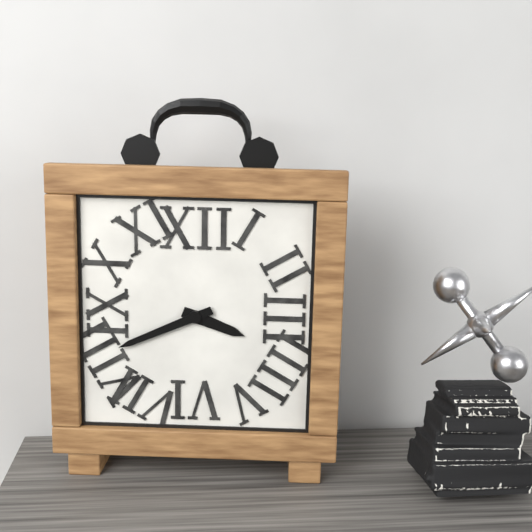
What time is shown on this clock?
3:41
